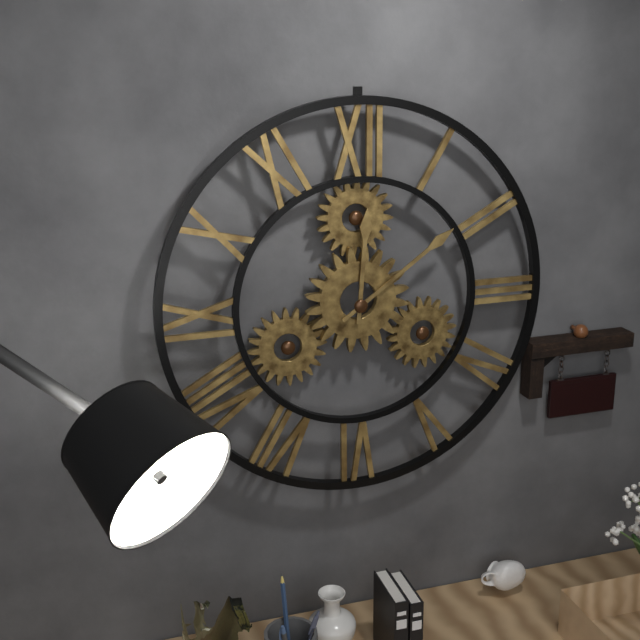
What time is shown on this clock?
12:09
